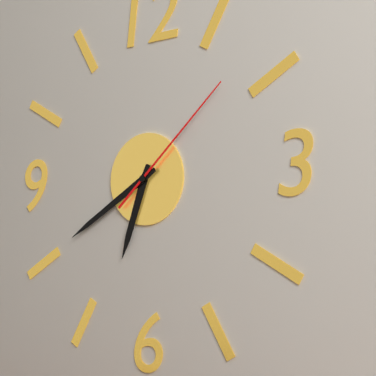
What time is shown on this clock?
6:40:08
